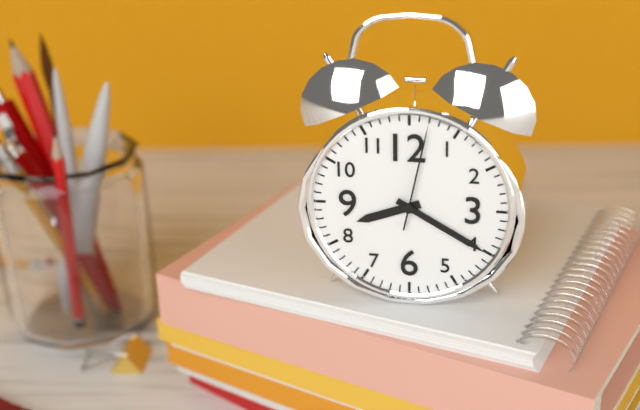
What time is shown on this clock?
8:20:02
